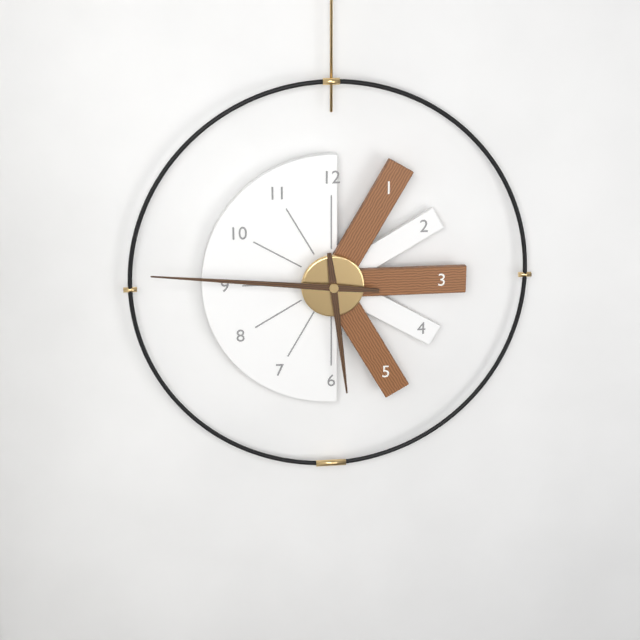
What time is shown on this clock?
5:46
